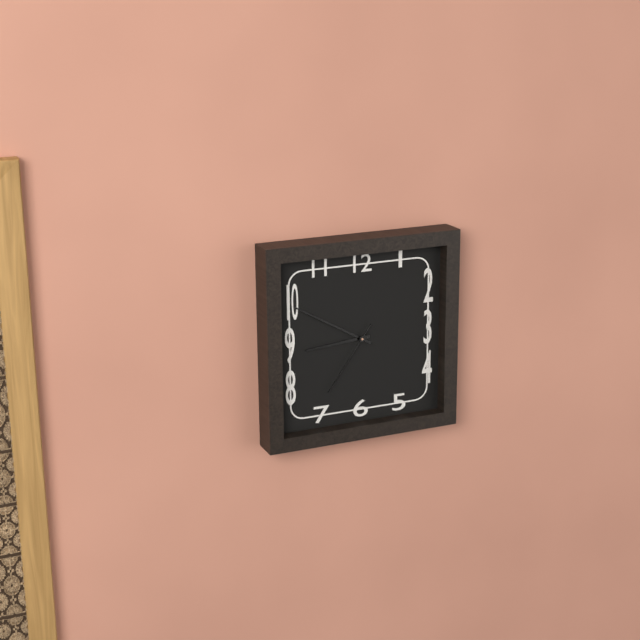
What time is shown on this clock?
8:50:36
